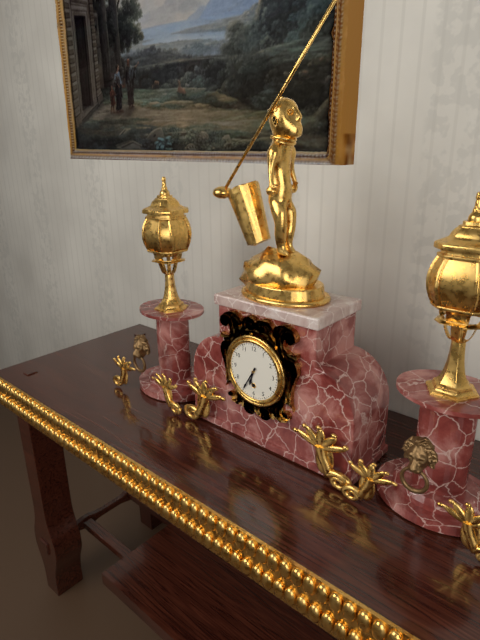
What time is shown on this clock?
6:35
